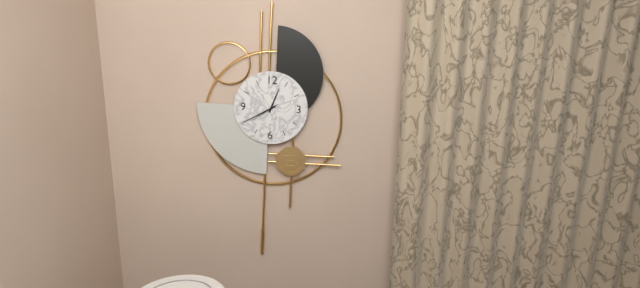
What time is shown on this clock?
12:40
